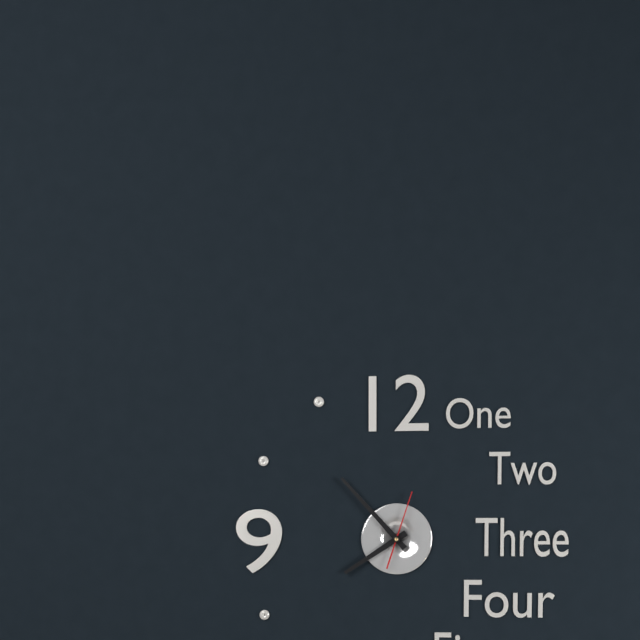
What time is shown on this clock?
7:53:03
